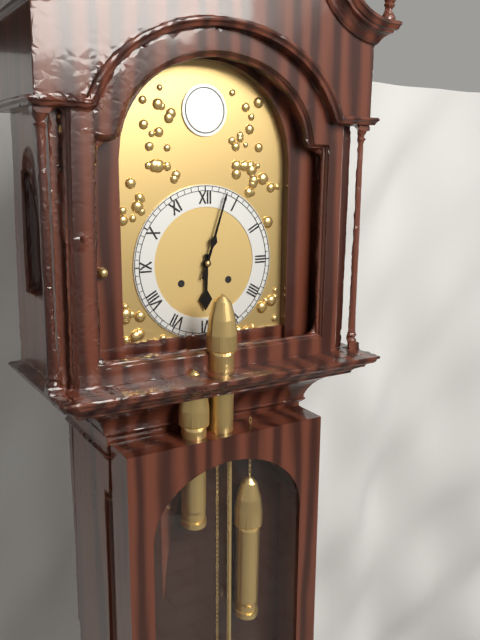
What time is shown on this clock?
6:03
